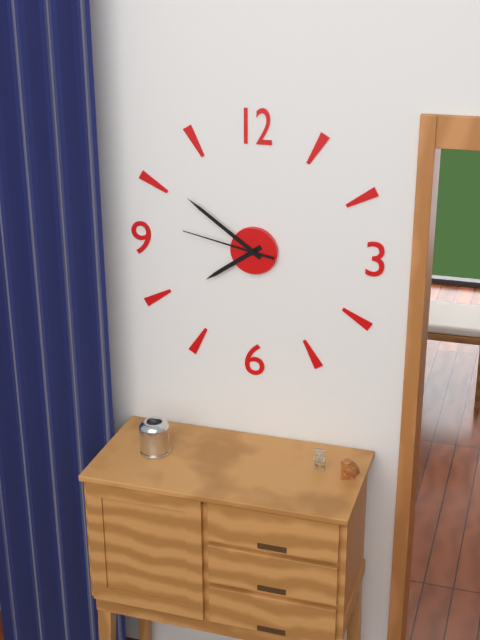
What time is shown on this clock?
7:51:47
